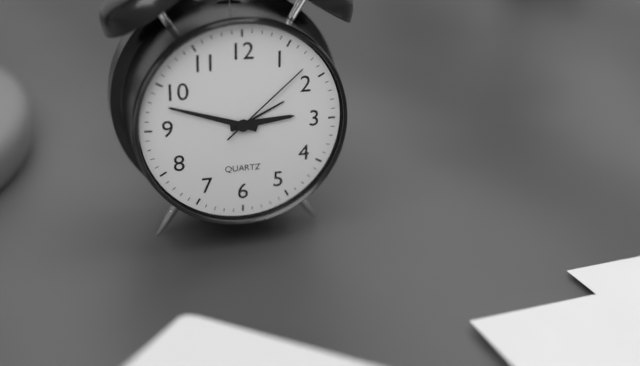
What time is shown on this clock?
2:48:08
